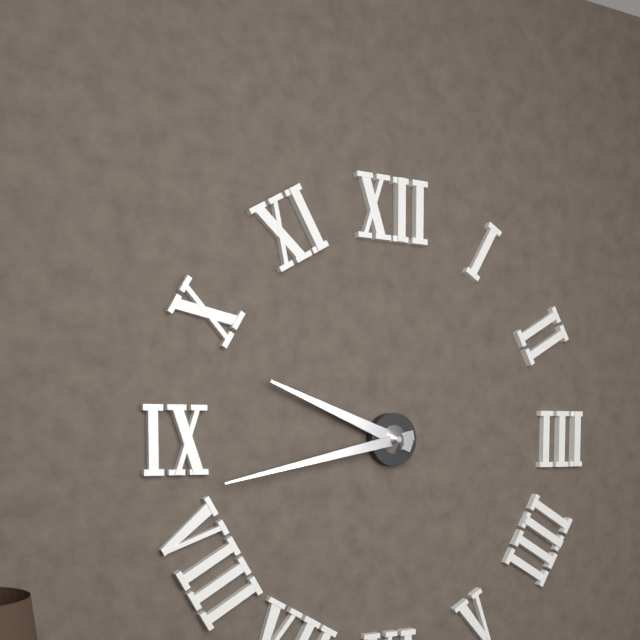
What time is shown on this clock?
9:43
